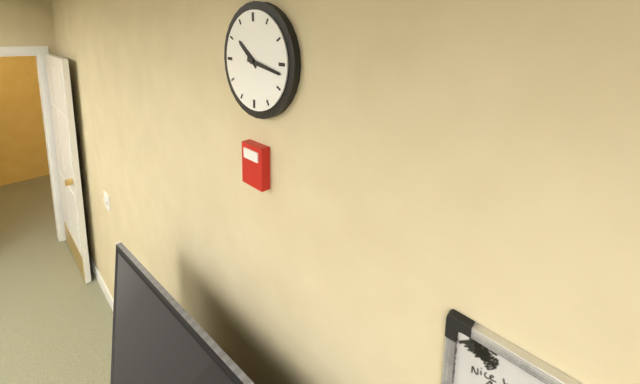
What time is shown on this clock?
10:17
